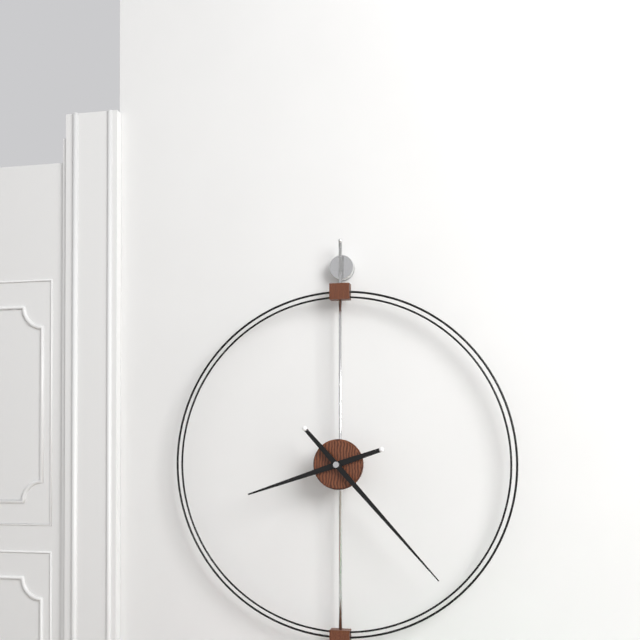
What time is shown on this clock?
8:23
